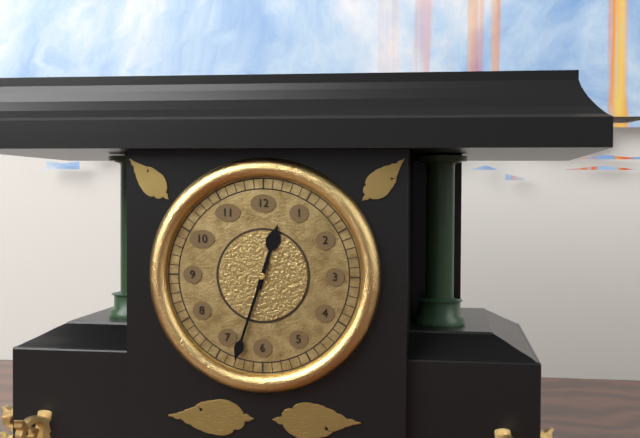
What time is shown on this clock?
12:33
